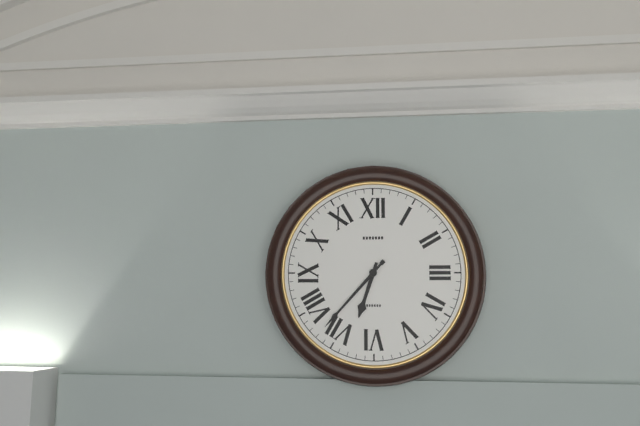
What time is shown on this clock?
6:37
